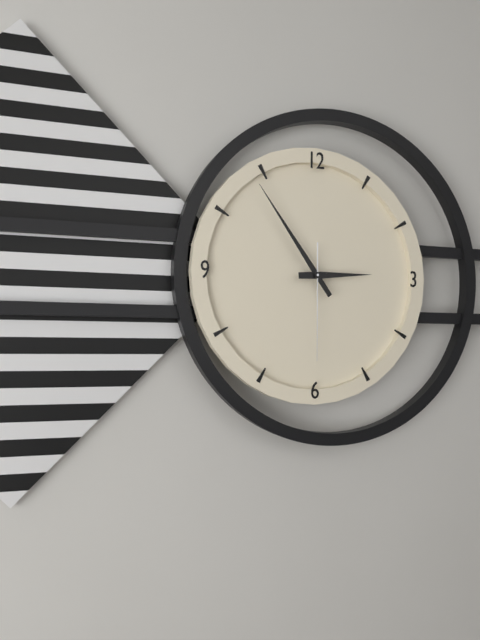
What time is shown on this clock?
2:54:30
